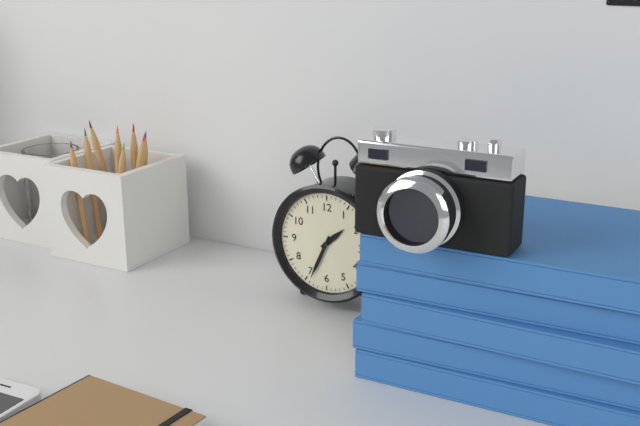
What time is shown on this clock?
1:34
